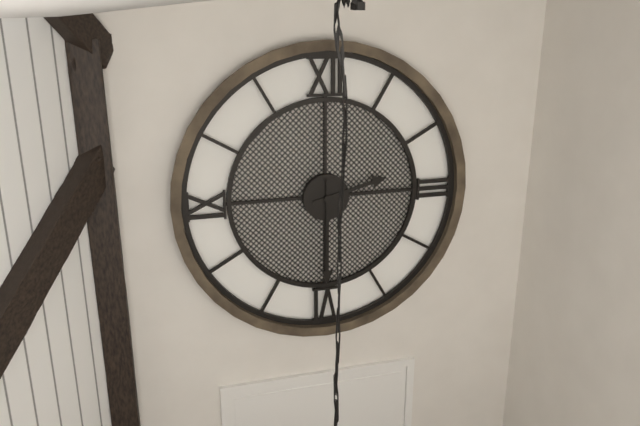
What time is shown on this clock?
2:30
